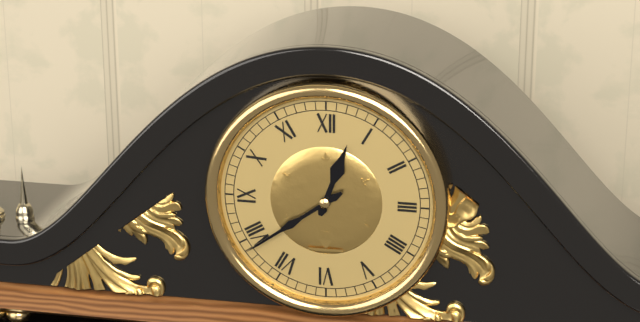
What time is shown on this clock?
12:39
